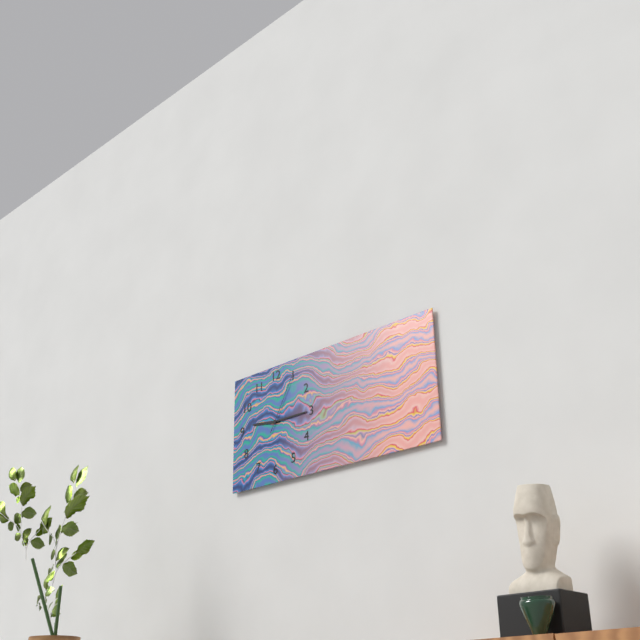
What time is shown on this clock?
9:15:05
